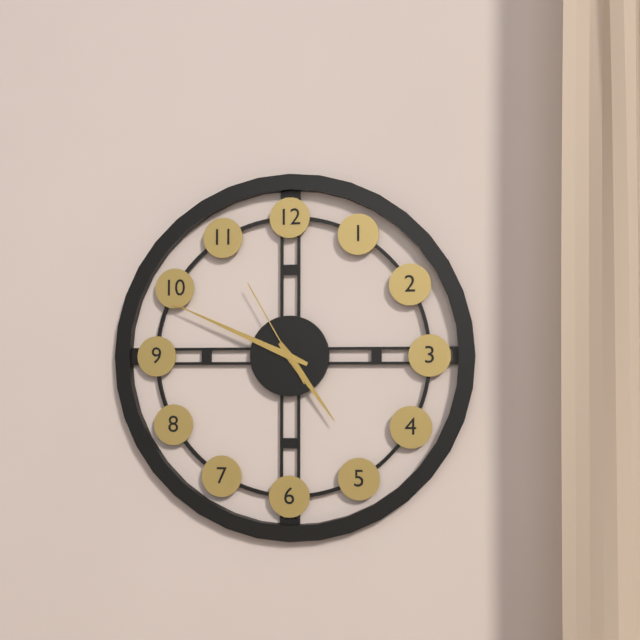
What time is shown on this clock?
4:49:55
